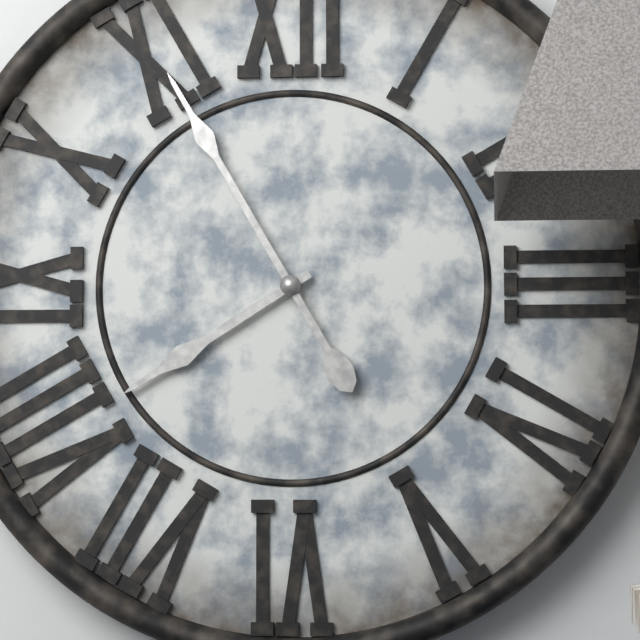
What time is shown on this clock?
7:55
